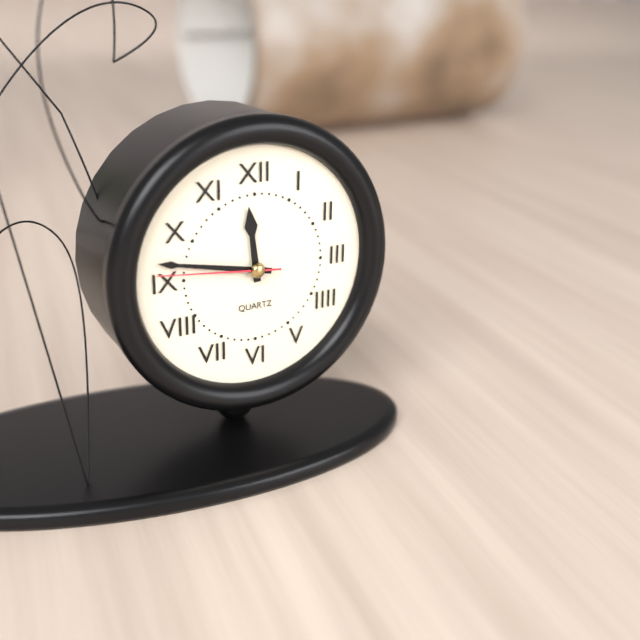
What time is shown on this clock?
11:47:46
